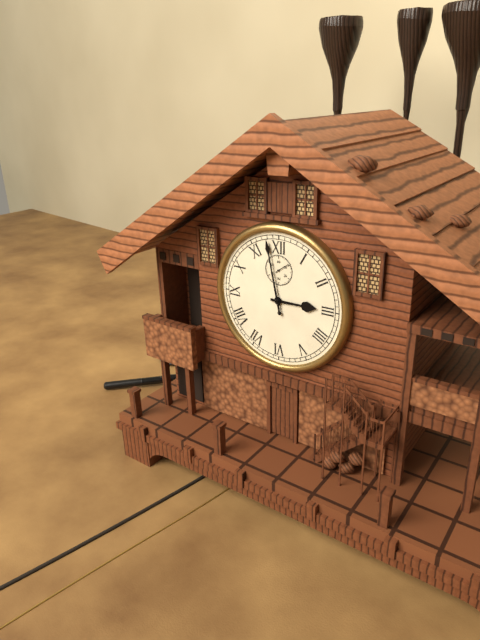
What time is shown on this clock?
2:58
